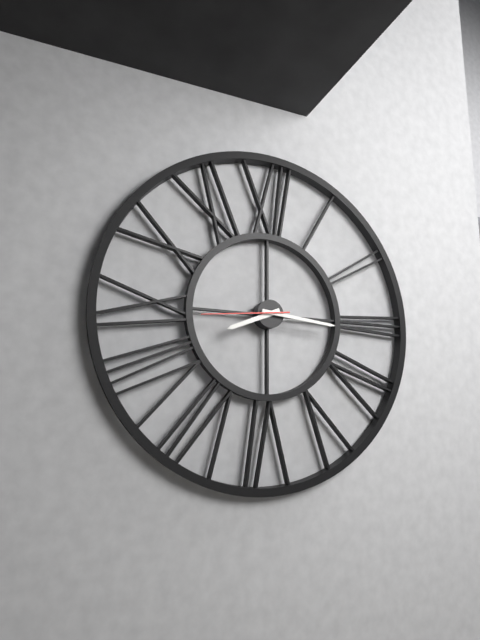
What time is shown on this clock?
8:16:44
